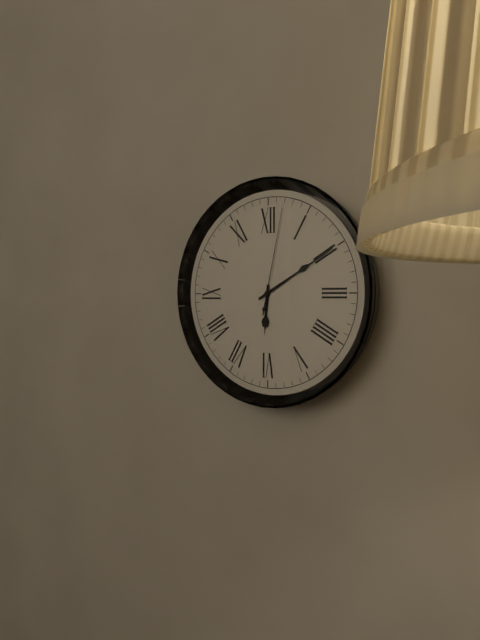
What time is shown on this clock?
6:10:02
